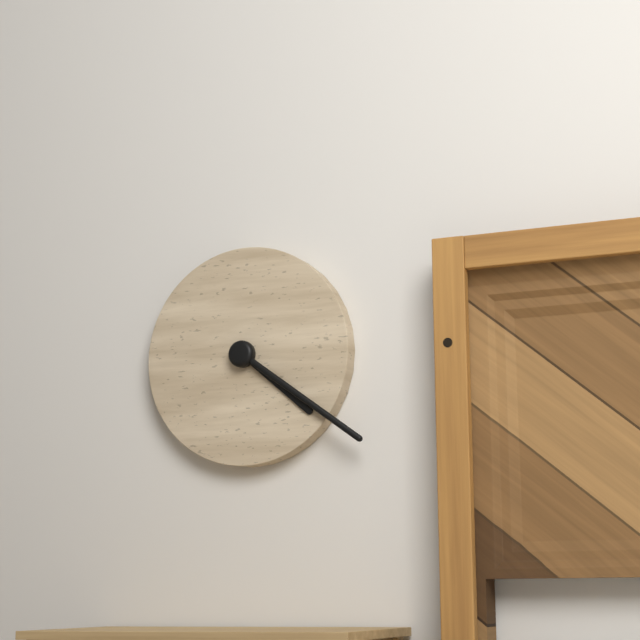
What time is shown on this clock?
4:21
